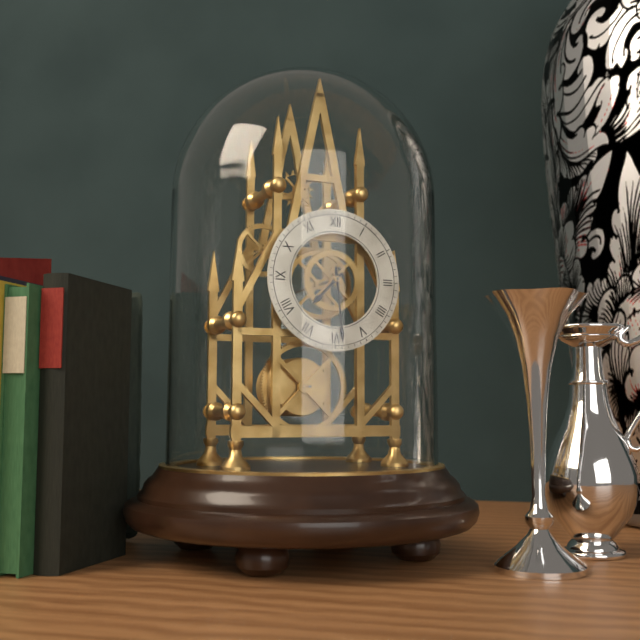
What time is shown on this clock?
7:29
